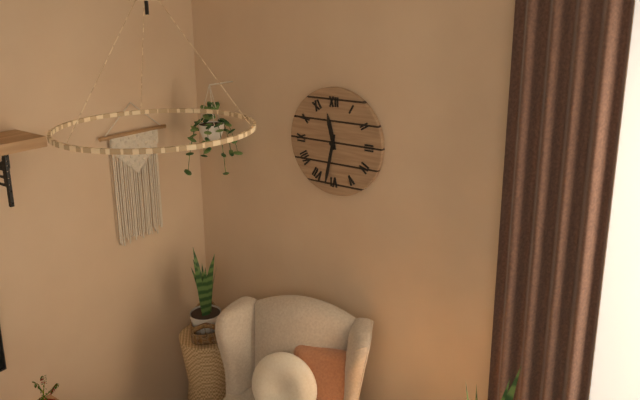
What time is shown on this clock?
11:32
